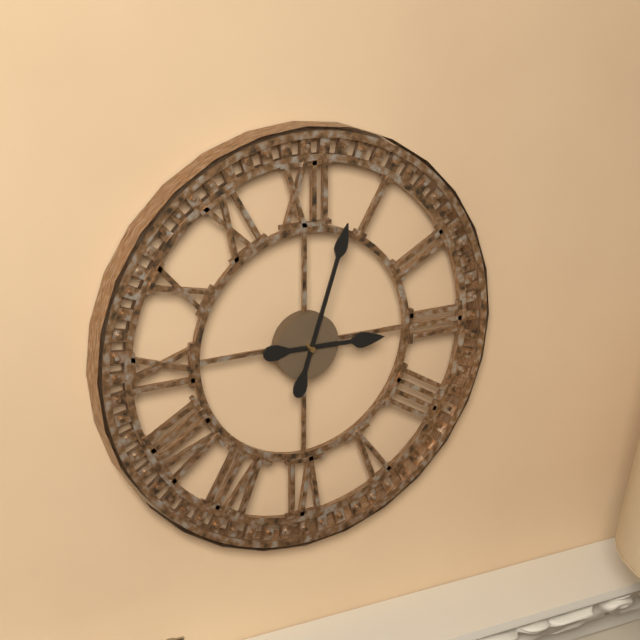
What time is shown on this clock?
3:03
